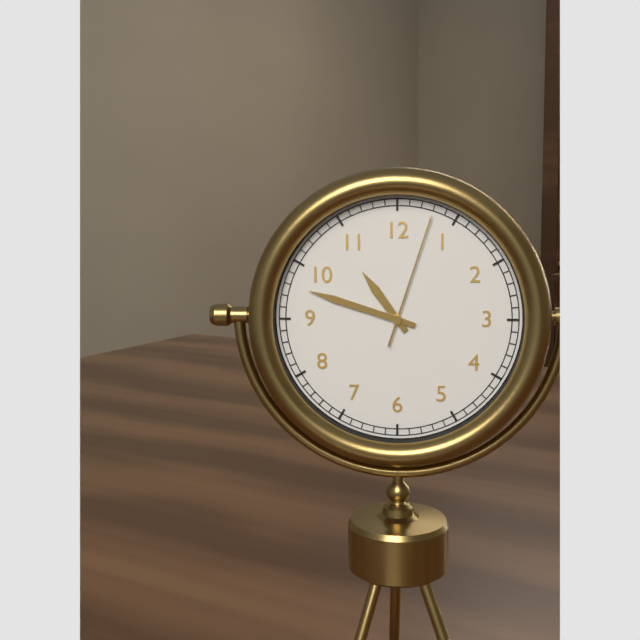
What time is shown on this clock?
10:48:03
